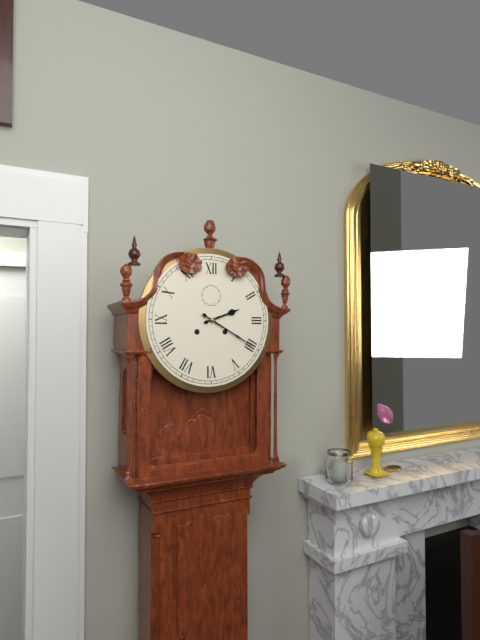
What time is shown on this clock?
2:20
